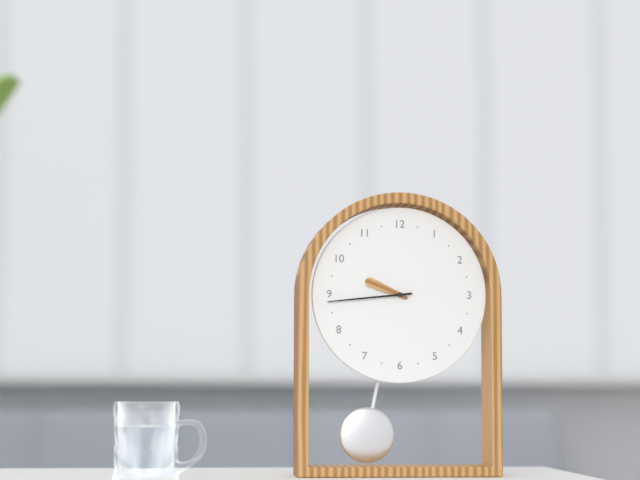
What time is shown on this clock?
9:44
